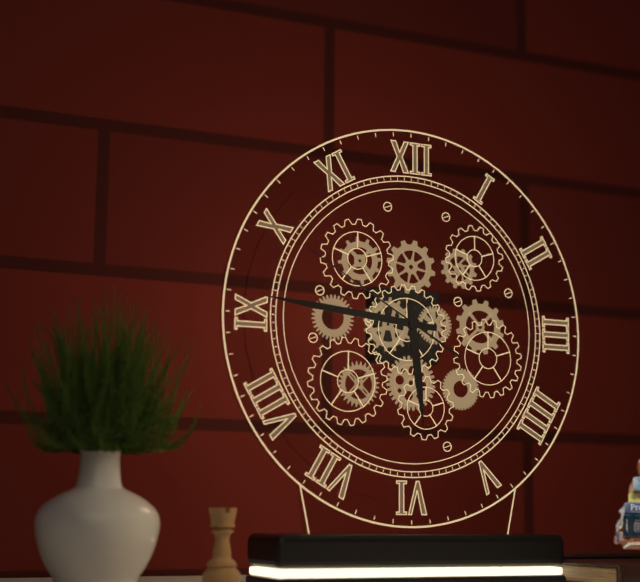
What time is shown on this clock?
5:46:50
